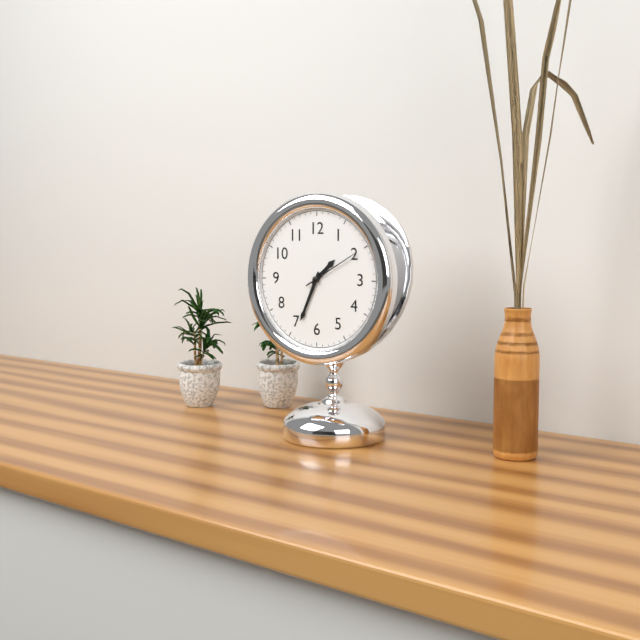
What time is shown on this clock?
1:34:10
